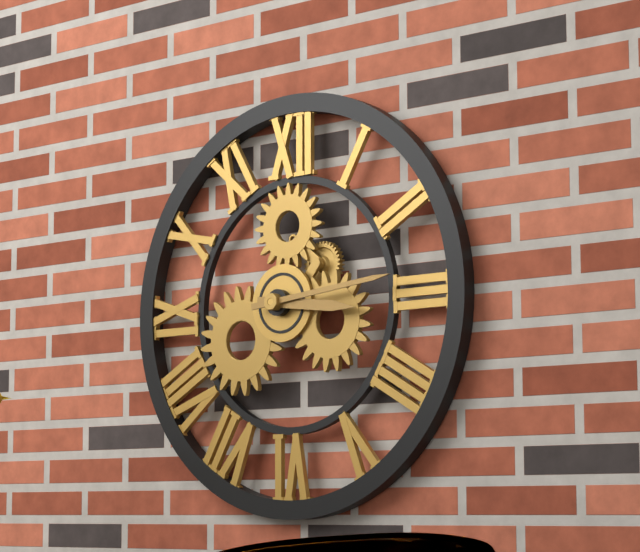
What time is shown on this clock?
3:14
